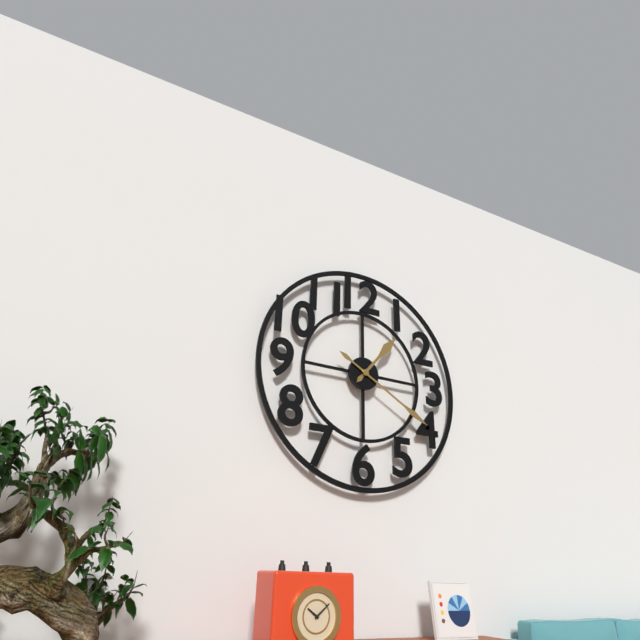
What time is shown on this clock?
1:20
